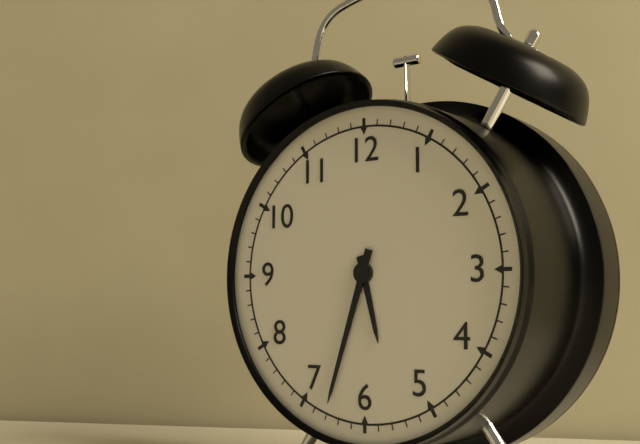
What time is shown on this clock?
5:33
